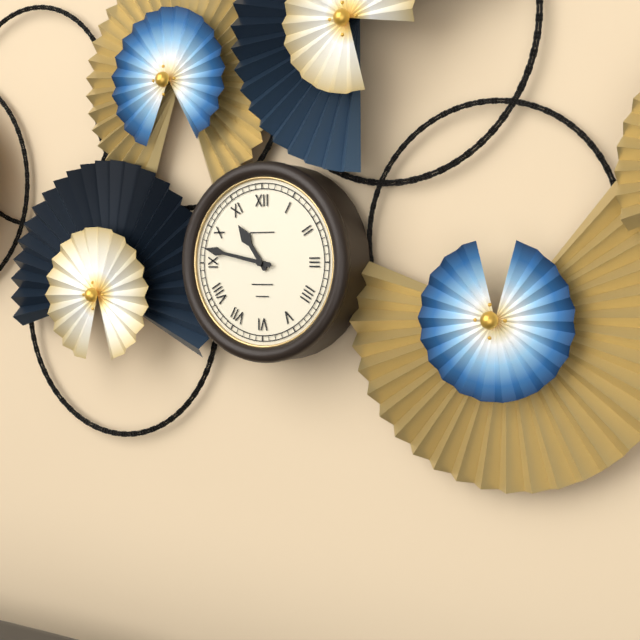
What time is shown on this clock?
10:47
